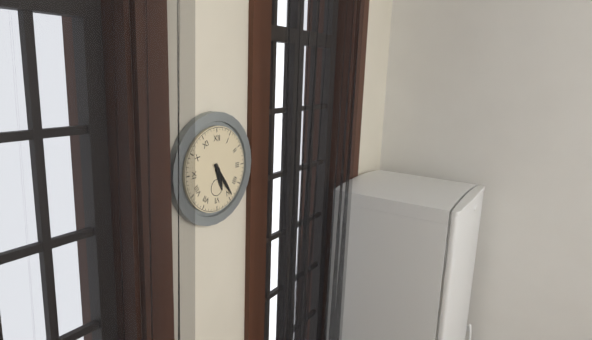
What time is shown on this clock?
5:24
